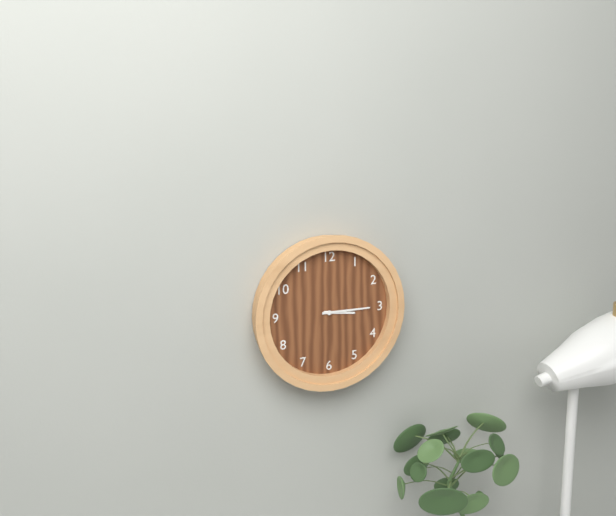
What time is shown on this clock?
3:15
